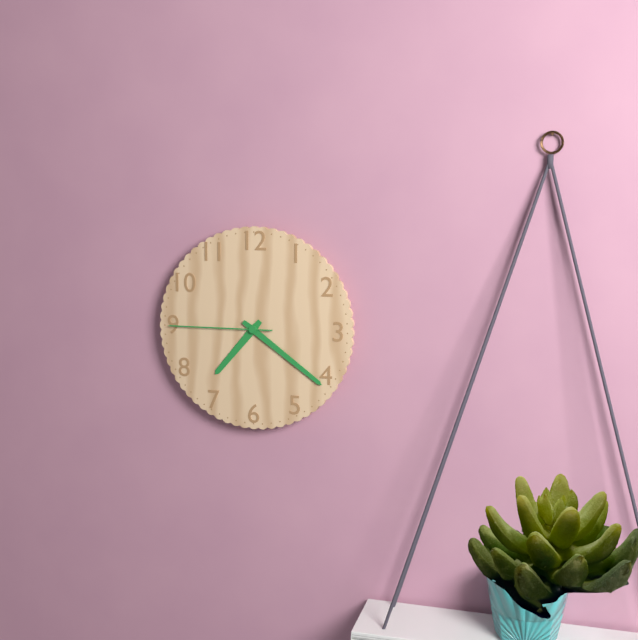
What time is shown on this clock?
7:21:45
